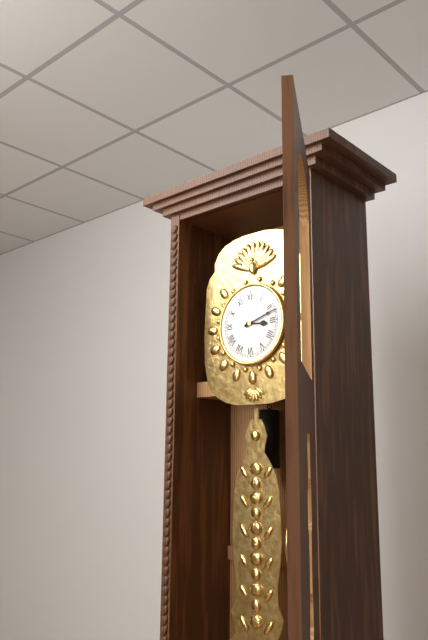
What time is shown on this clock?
3:12
